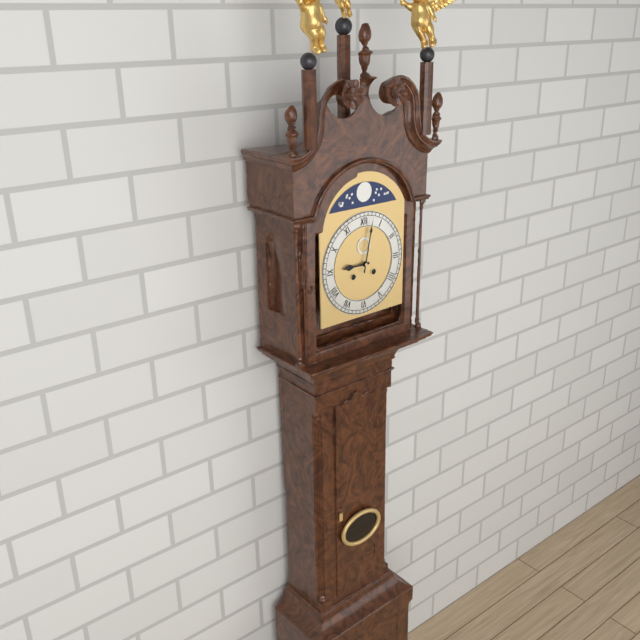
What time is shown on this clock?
9:02
